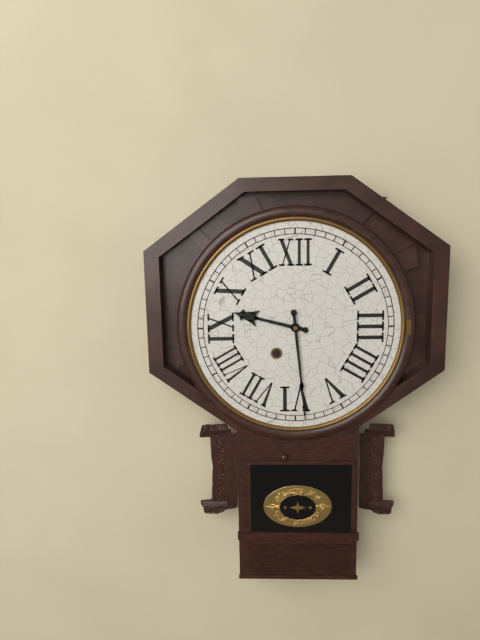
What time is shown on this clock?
9:29
